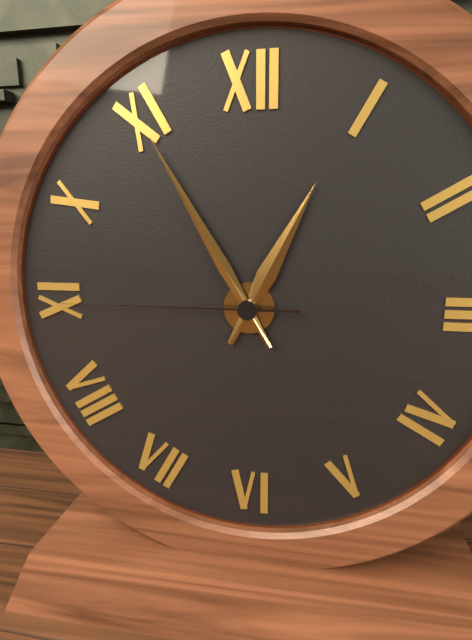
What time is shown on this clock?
12:55:45
